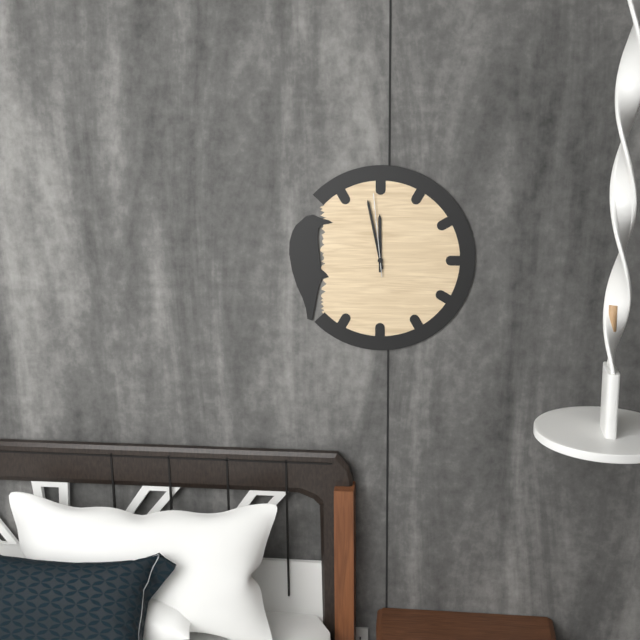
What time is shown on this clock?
11:58:59
